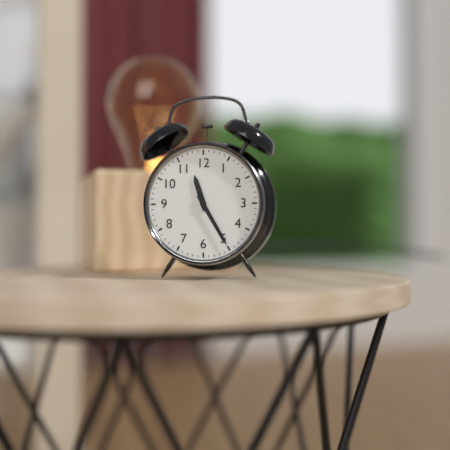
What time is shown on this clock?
11:25
